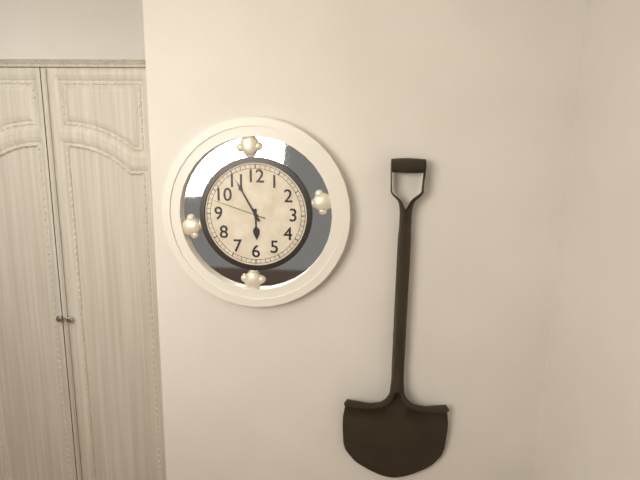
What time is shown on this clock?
5:55:48
